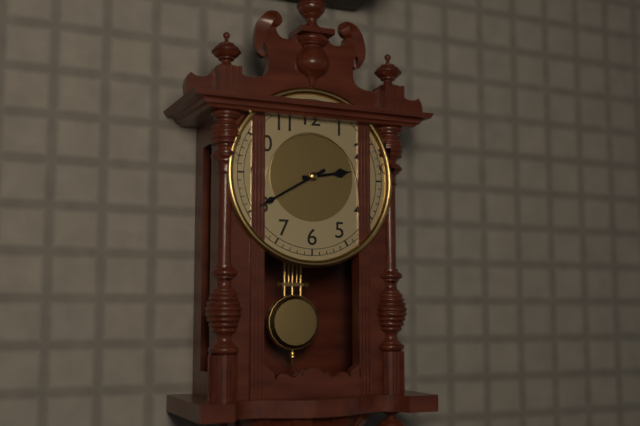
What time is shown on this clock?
2:40
